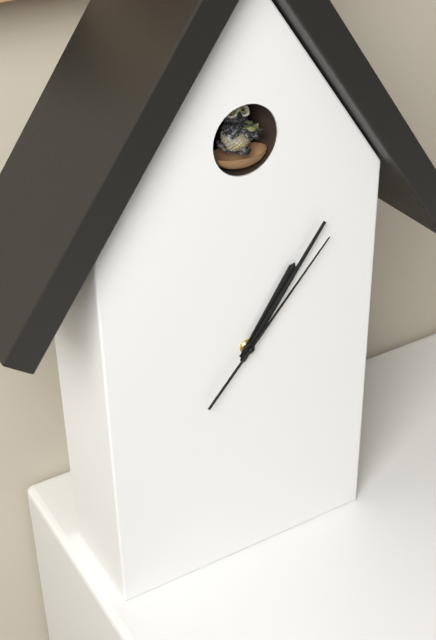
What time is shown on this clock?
1:06:07
